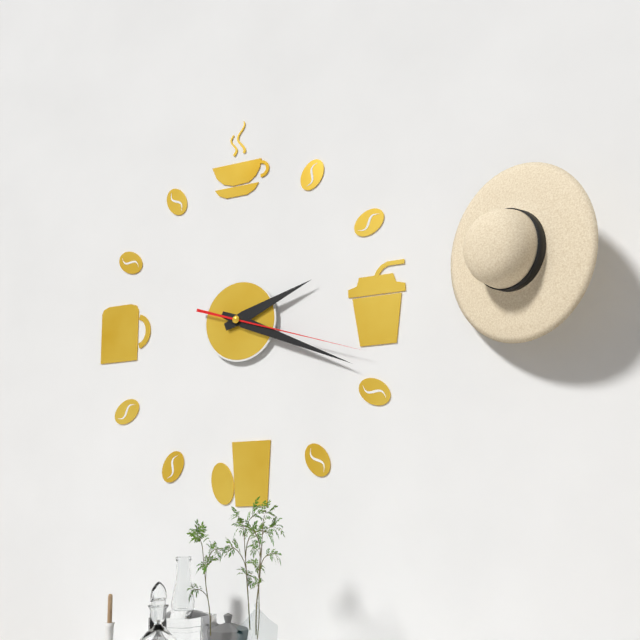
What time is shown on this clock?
2:19:18
